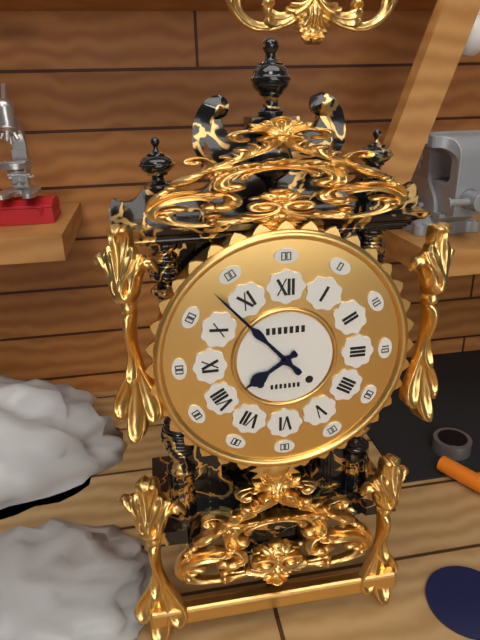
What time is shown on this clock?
7:53
